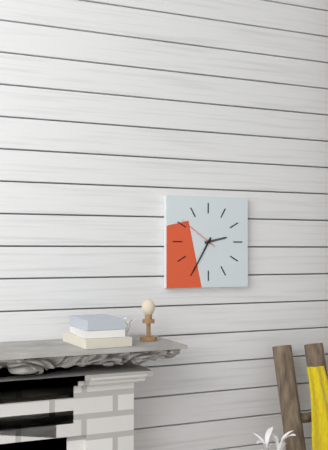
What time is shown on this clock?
2:35
